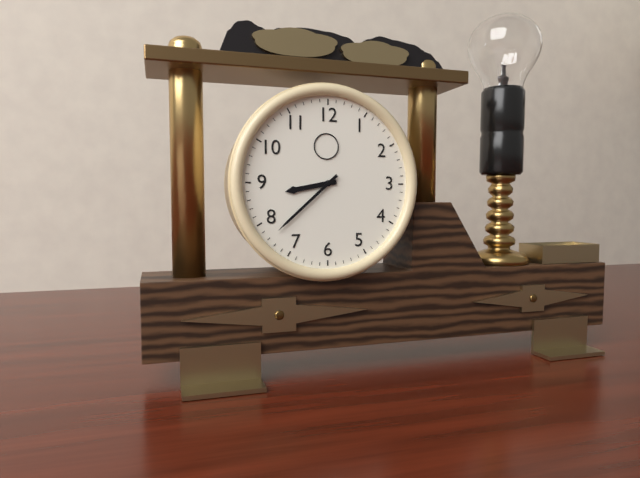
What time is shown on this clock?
8:38
